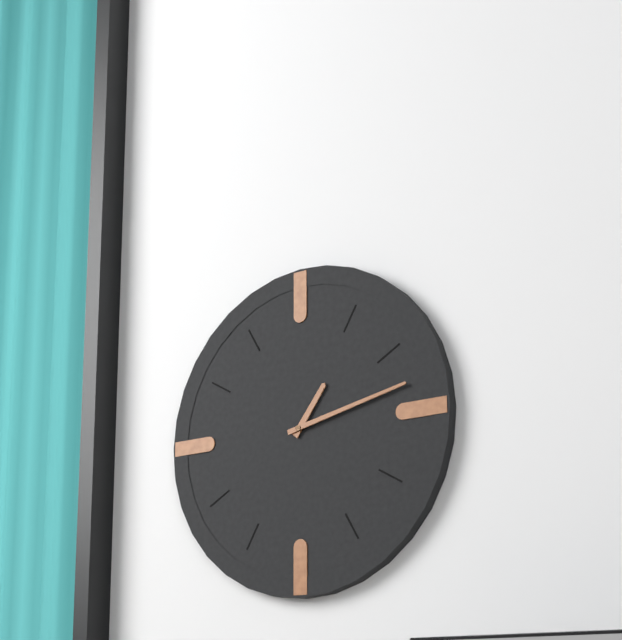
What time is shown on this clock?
1:13
